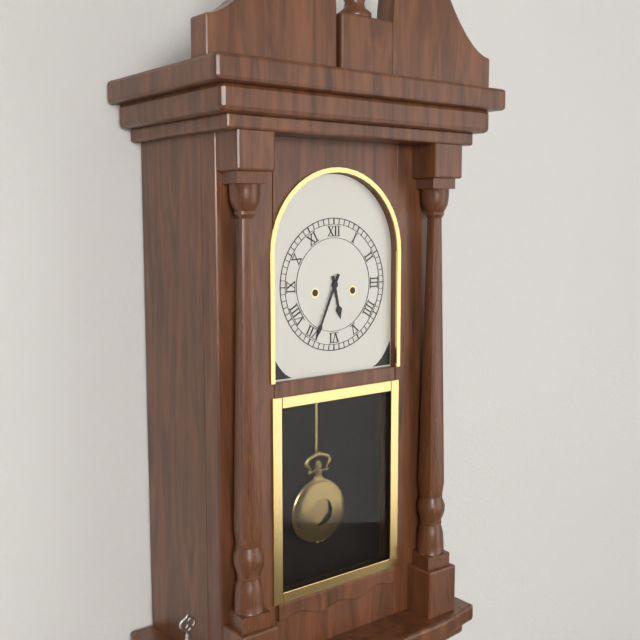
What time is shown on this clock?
5:34
